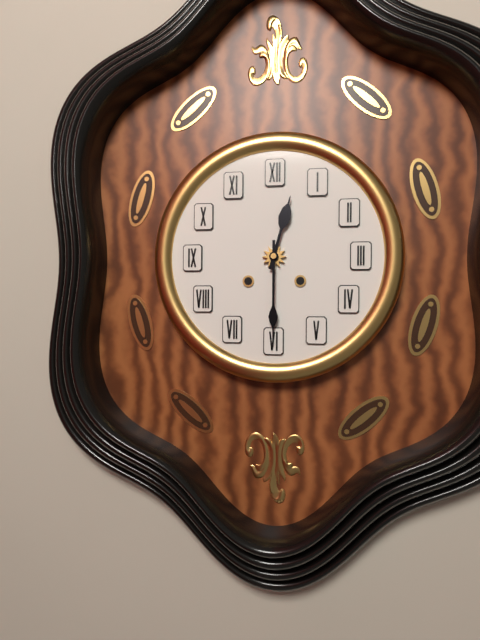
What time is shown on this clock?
12:30
